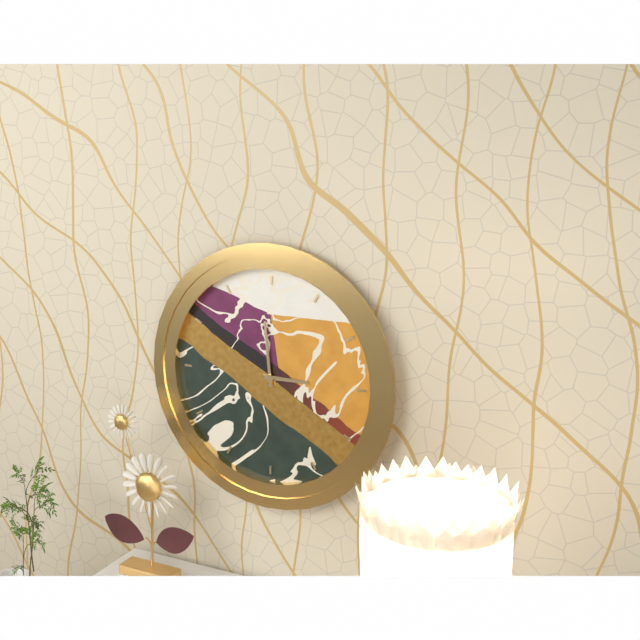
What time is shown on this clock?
2:59
